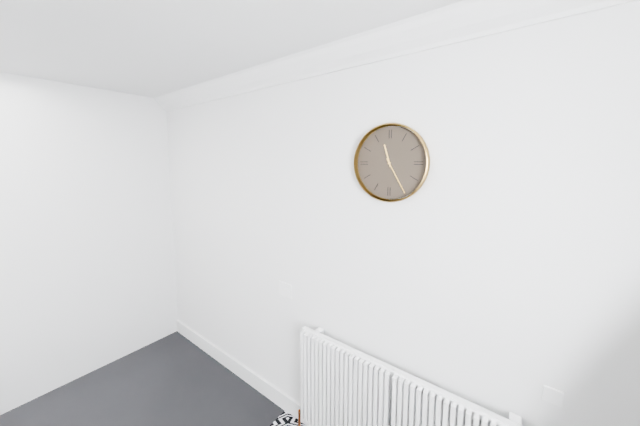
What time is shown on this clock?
11:25
